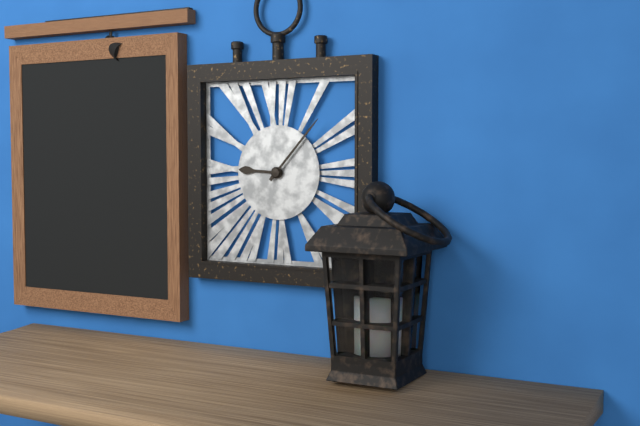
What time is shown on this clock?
9:07
